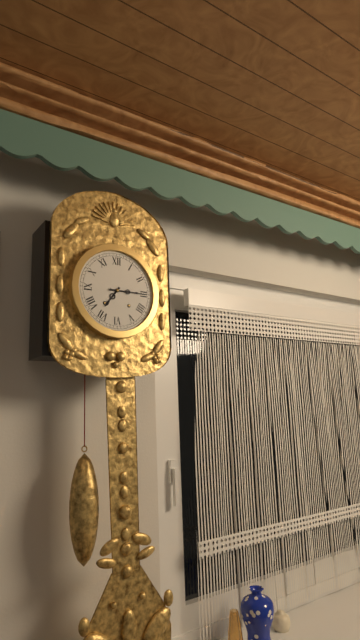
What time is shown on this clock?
7:15
